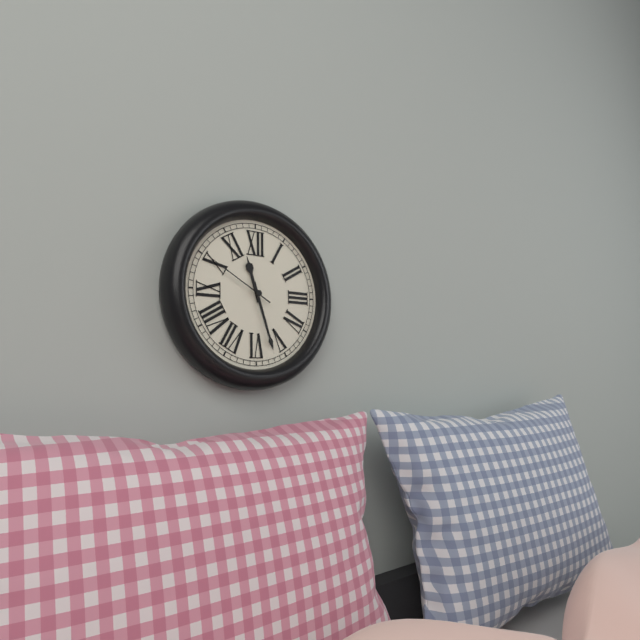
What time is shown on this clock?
11:27:50
